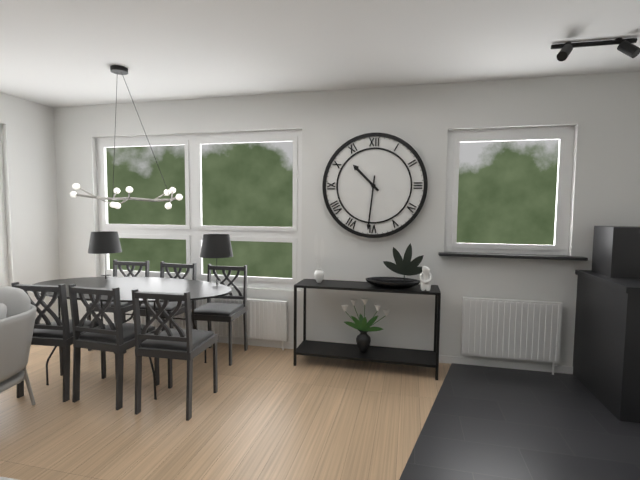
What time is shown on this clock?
10:31
